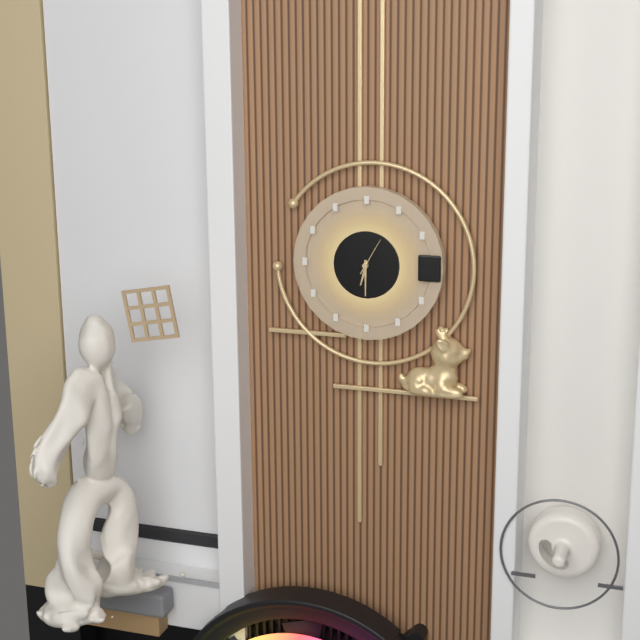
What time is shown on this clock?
6:30
